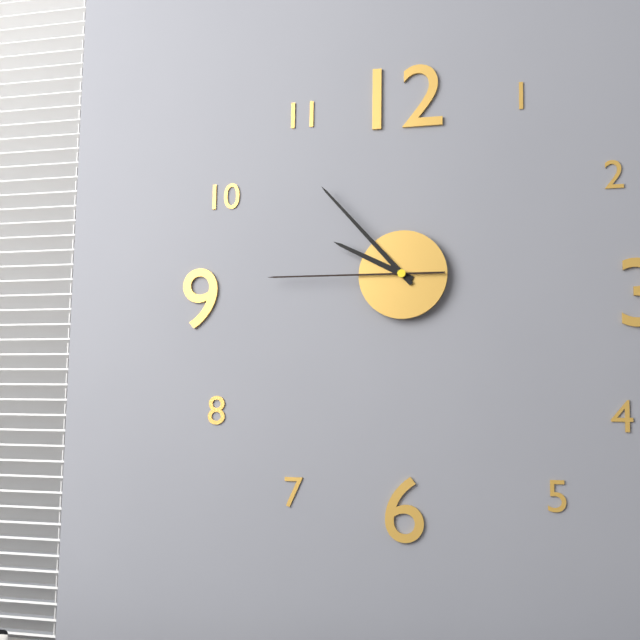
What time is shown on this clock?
9:53:45
